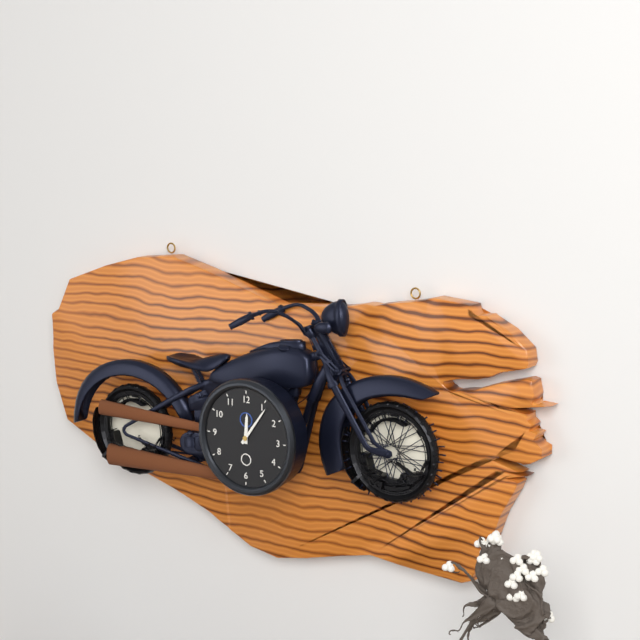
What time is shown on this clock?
12:06
